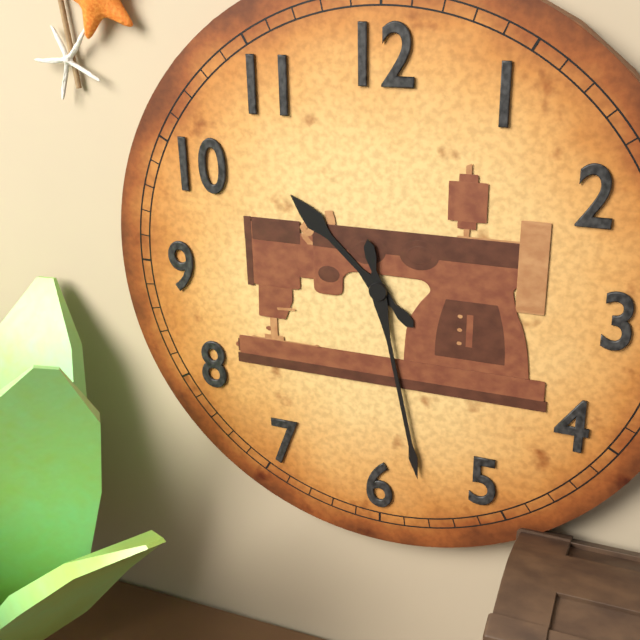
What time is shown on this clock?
10:28
